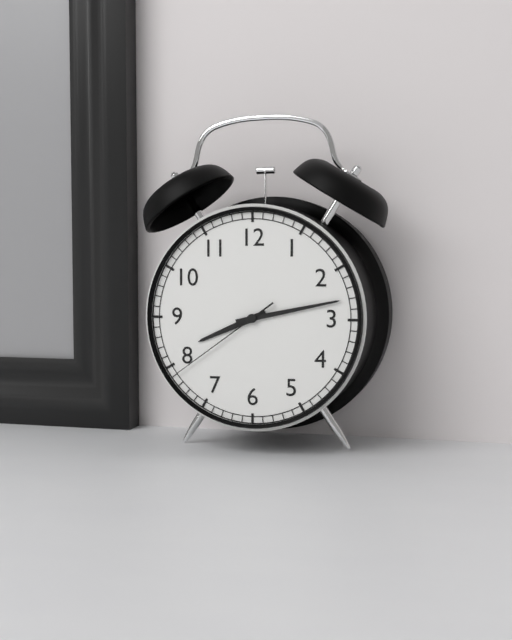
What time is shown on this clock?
8:13:39
